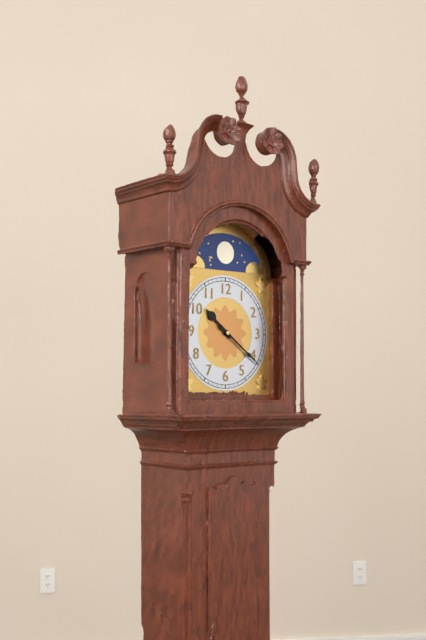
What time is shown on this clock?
10:21
